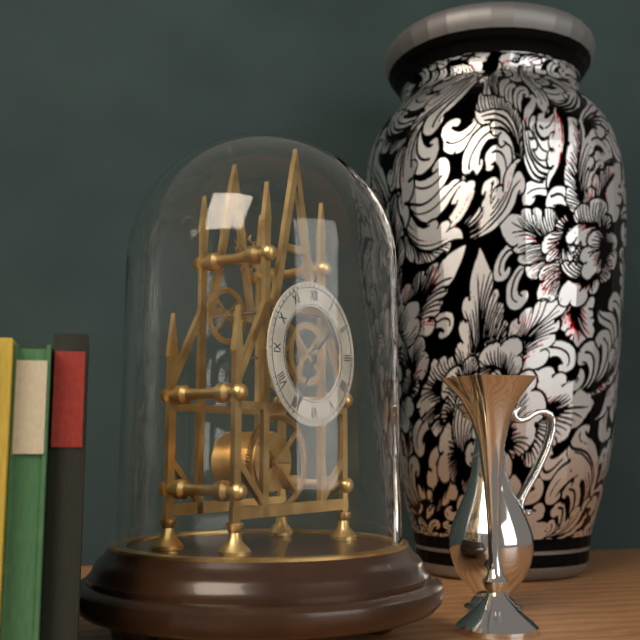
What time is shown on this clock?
1:35
